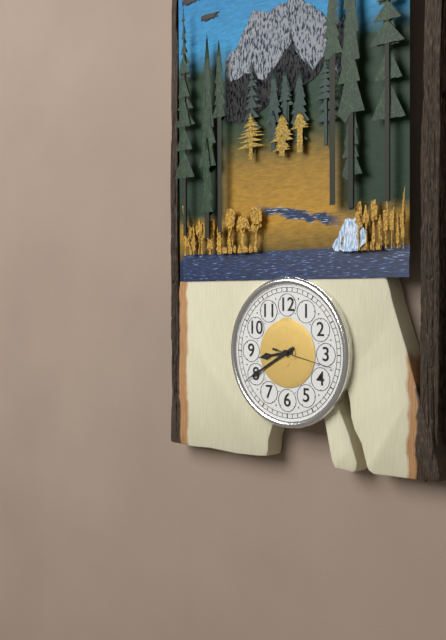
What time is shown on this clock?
8:40:17
